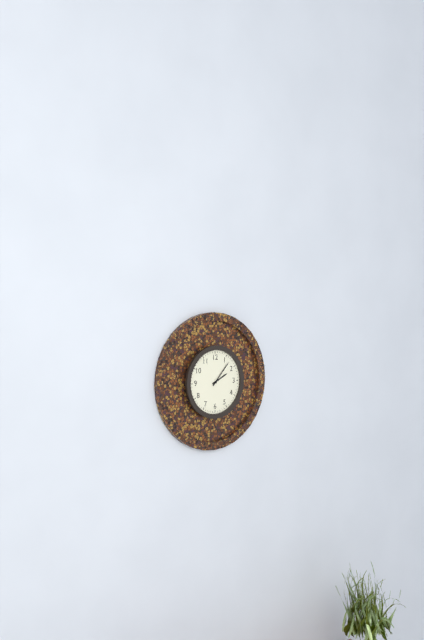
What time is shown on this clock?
2:07
